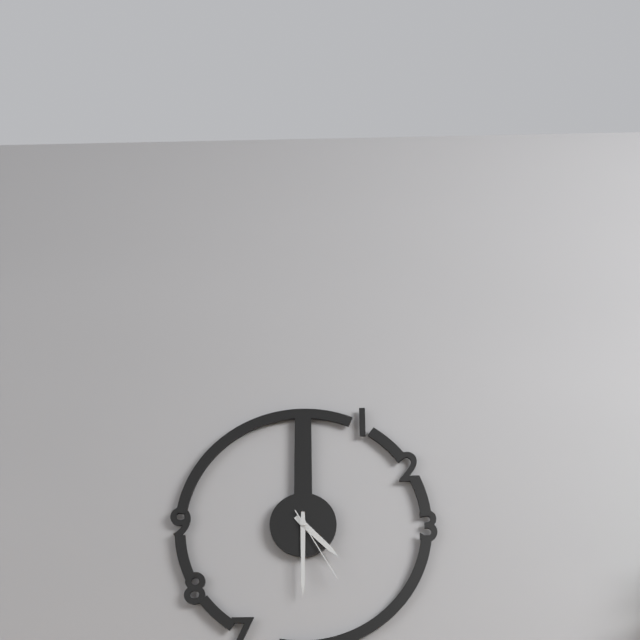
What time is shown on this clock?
4:30:25
